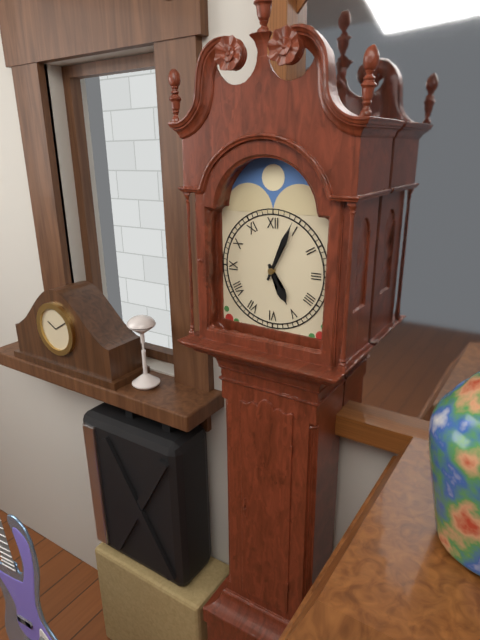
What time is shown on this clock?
5:04
